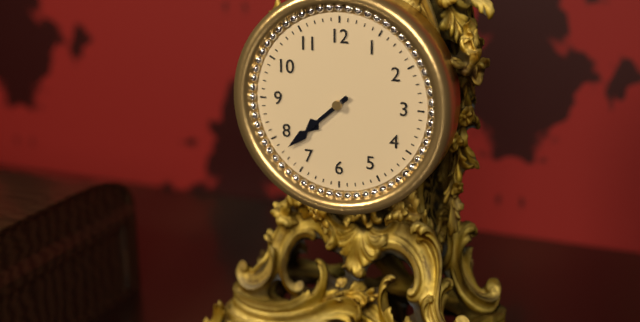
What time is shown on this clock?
7:38
